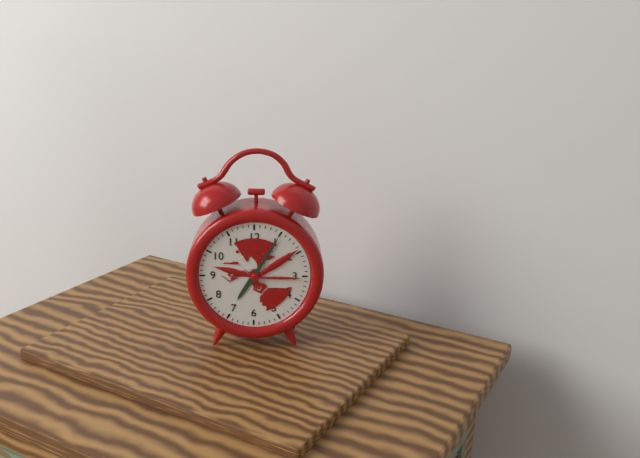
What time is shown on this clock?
7:05
